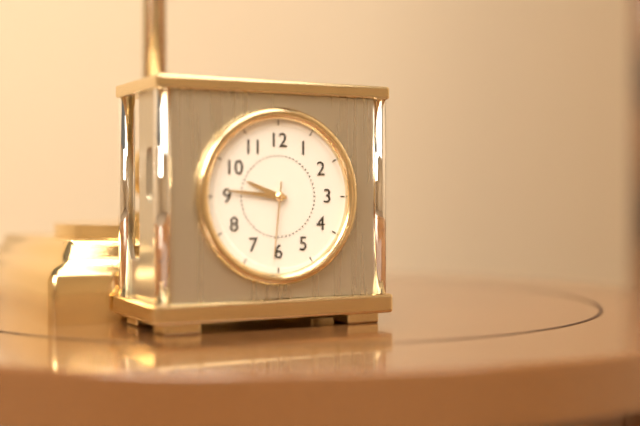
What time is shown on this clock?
9:46:31
